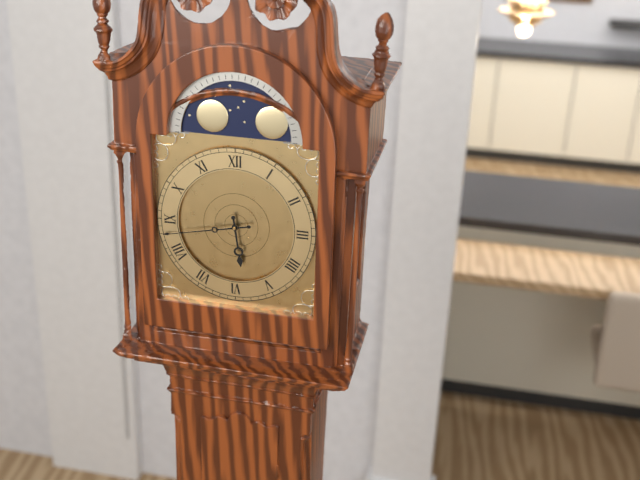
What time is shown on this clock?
5:43
